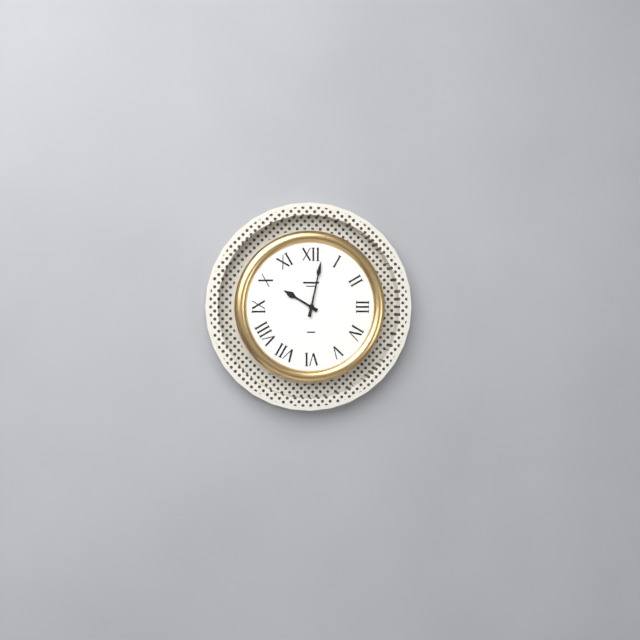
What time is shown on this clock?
10:02
